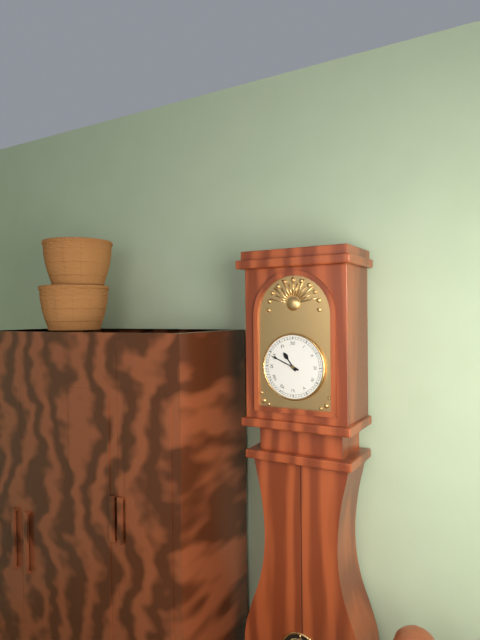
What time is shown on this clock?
10:49
